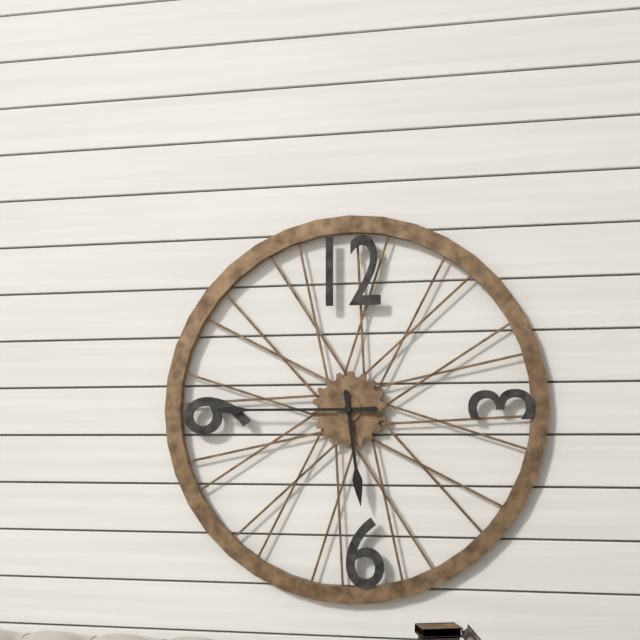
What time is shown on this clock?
5:45
